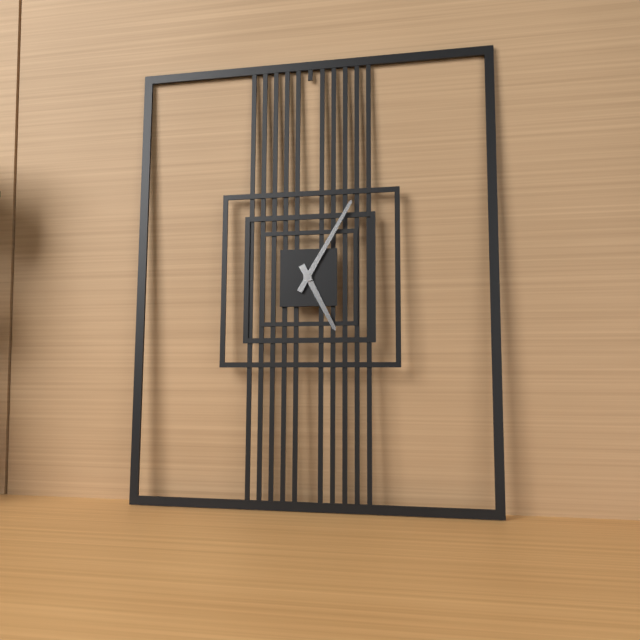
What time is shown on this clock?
5:05
